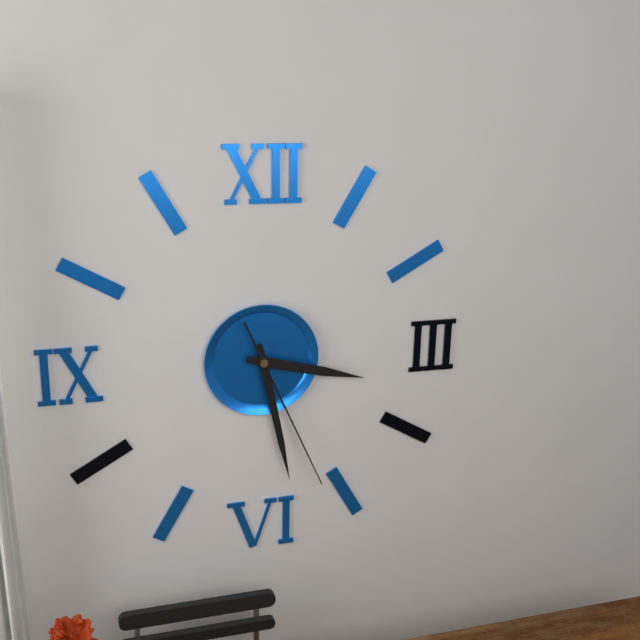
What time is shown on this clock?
3:28:26
